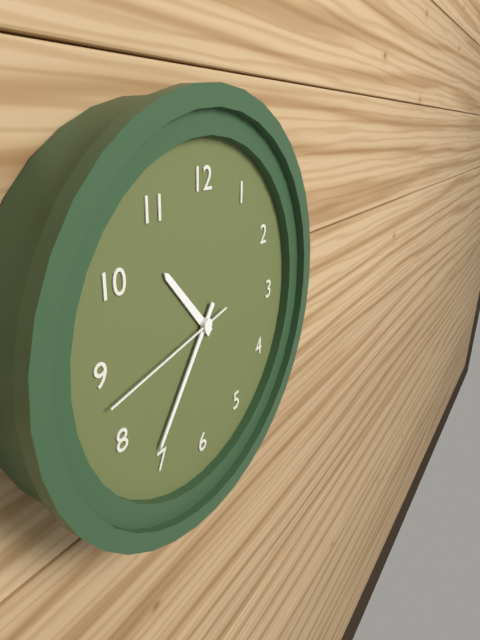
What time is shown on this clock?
10:36:43
